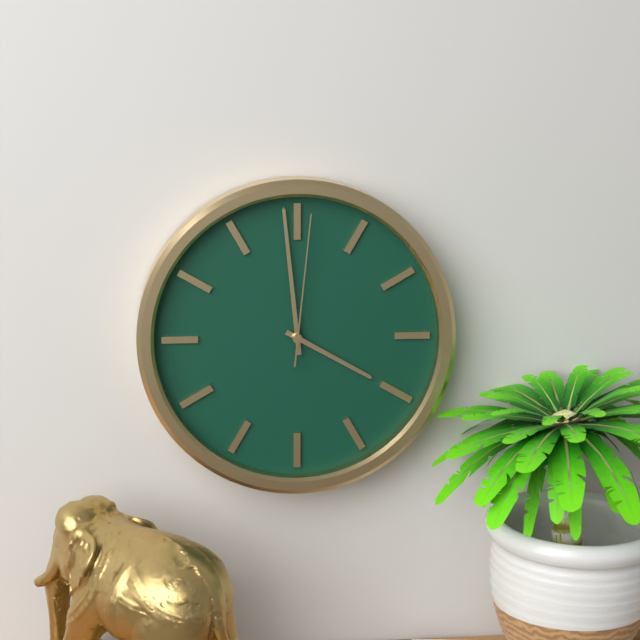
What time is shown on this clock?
3:59:01
